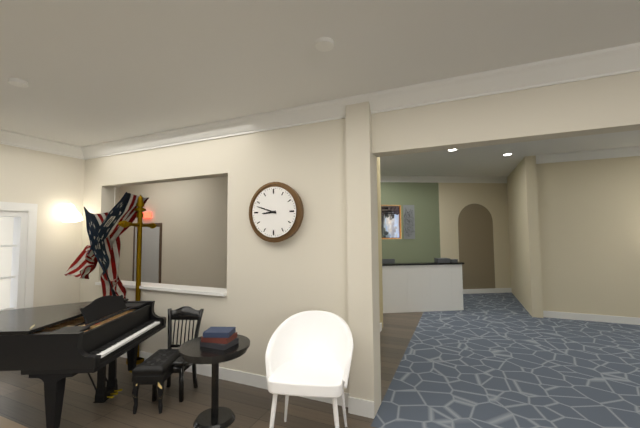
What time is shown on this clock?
8:48
